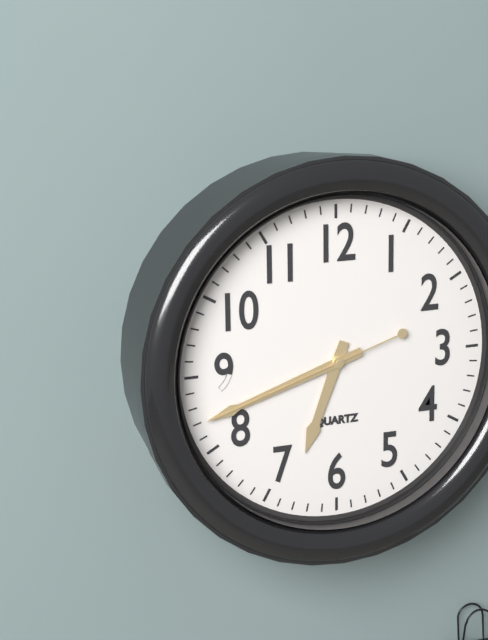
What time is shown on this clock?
6:42:42
